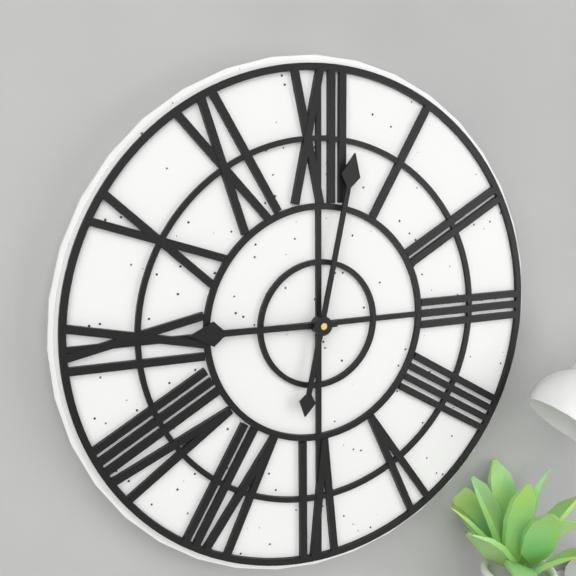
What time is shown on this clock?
9:02
